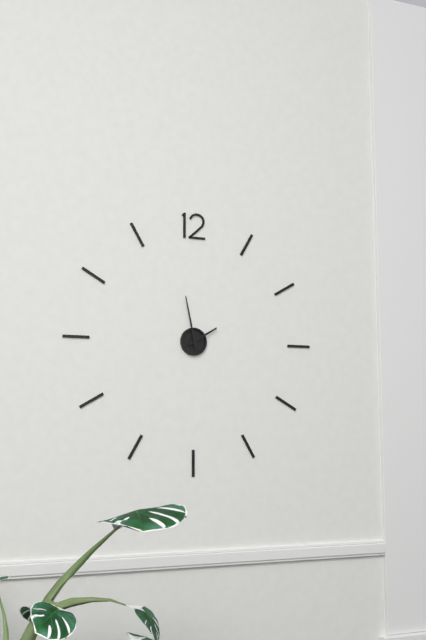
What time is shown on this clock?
1:58
